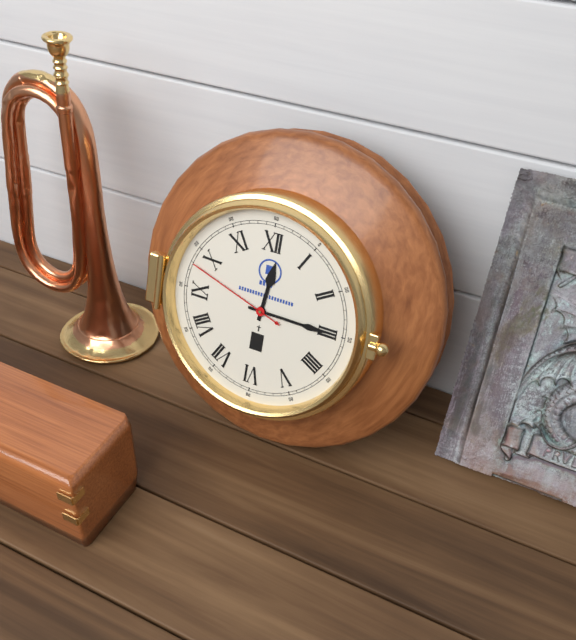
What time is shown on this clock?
12:15:48
